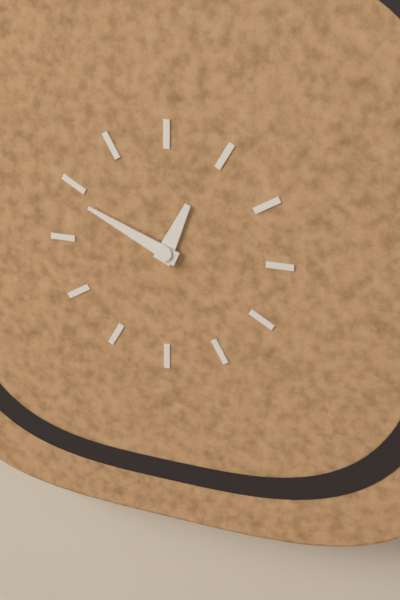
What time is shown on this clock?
12:49
